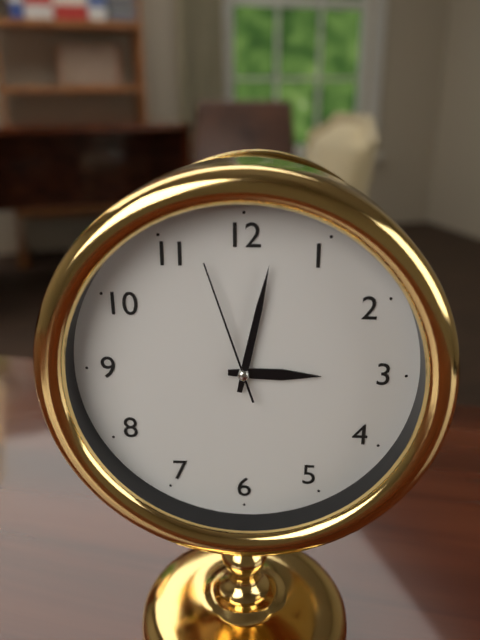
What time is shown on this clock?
3:02:57
